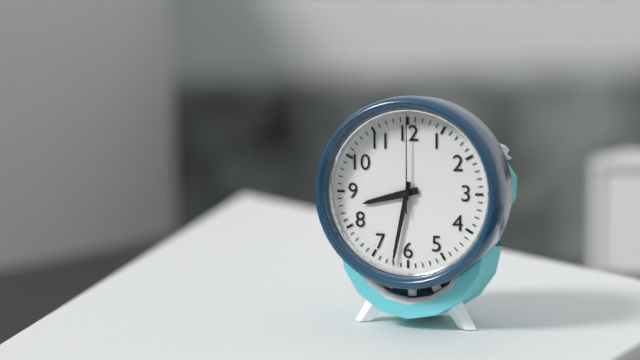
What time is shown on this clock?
8:32:00
